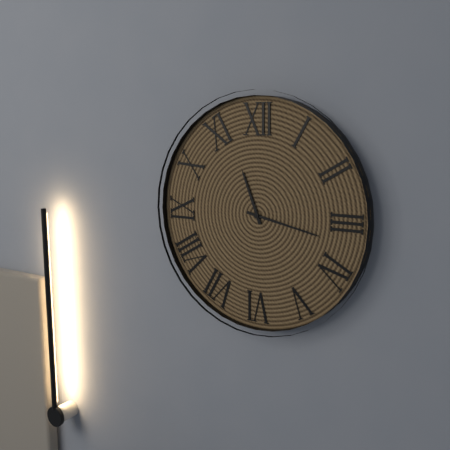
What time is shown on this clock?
11:17
